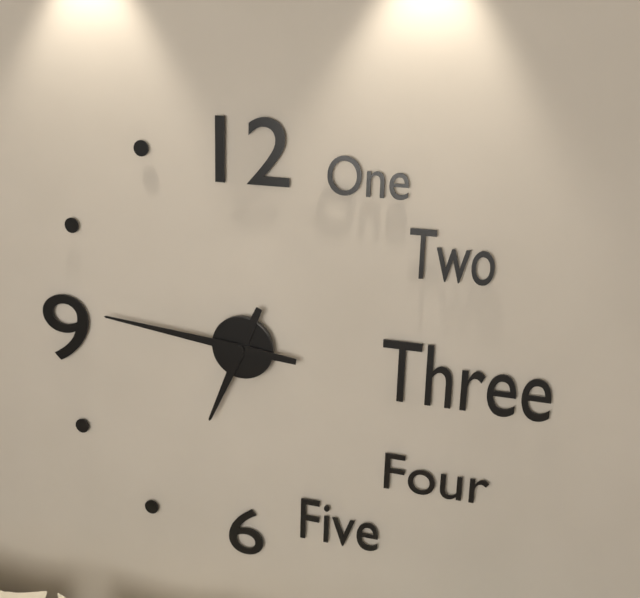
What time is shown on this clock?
6:46
